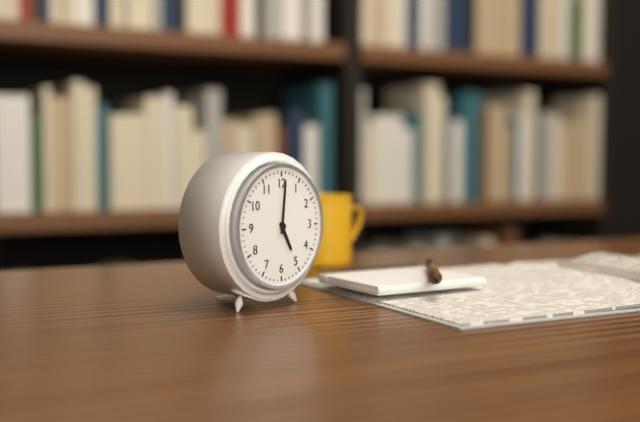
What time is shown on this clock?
5:01
